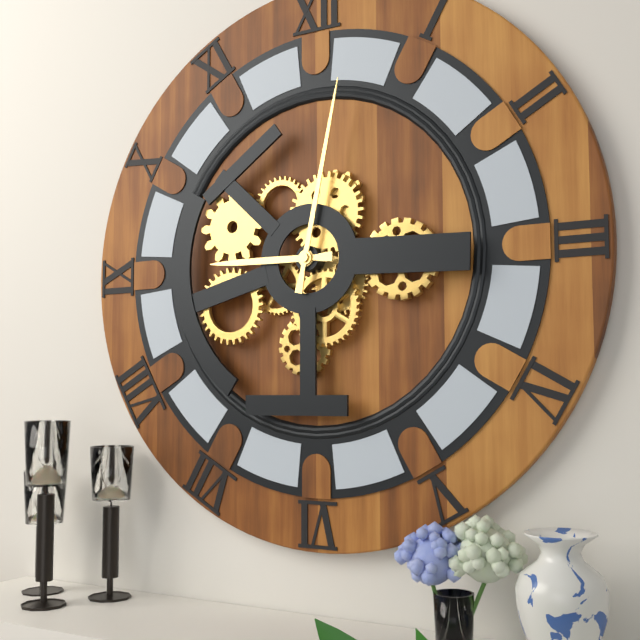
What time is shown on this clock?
9:02
